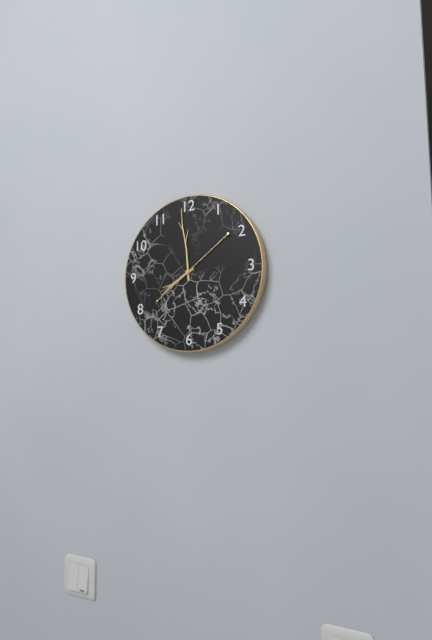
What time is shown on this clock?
7:59:09
